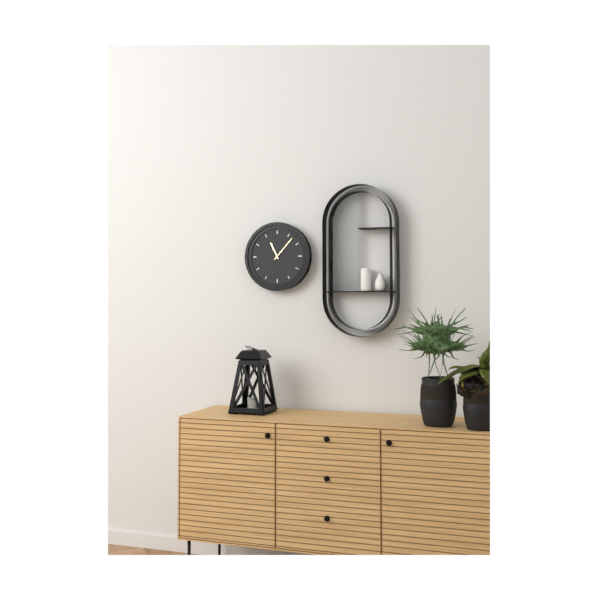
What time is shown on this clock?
11:07
